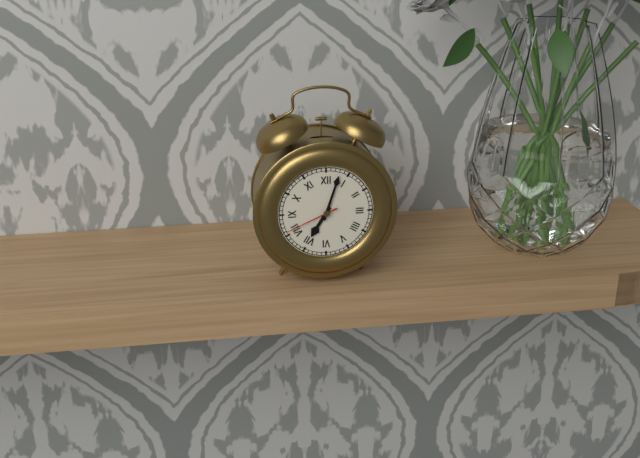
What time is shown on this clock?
7:03:41
